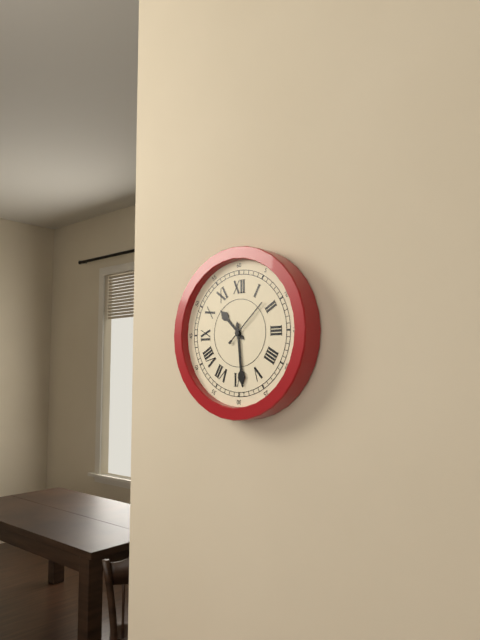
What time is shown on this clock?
10:29
